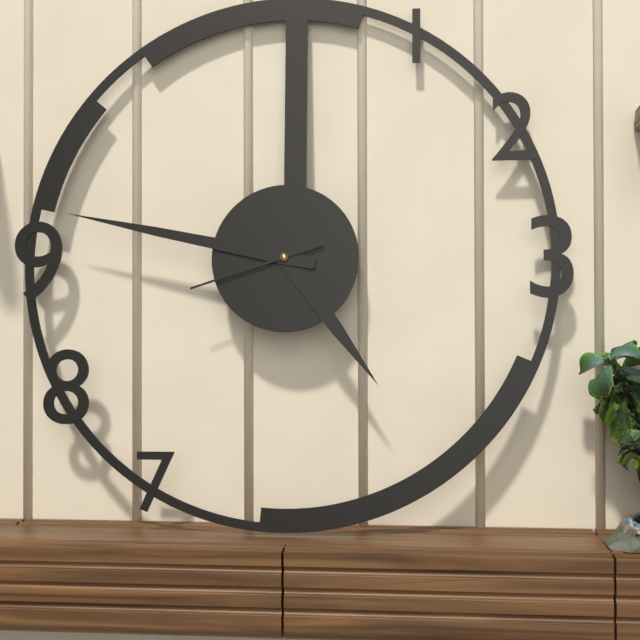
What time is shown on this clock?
4:47:42
